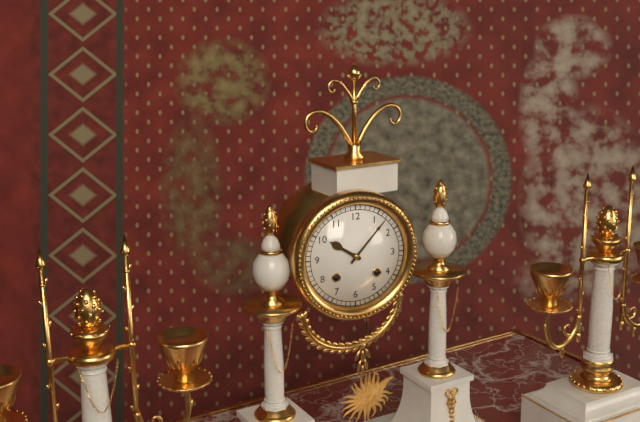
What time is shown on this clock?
10:07
